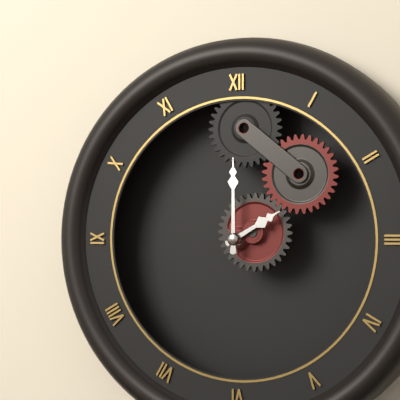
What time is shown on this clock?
2:00
